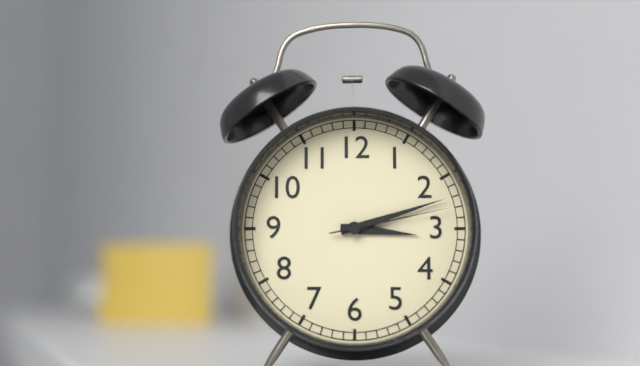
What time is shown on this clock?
3:12:13
